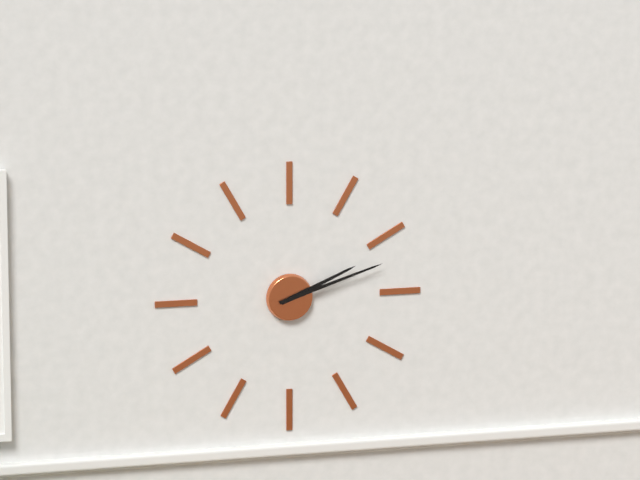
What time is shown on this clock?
2:12
